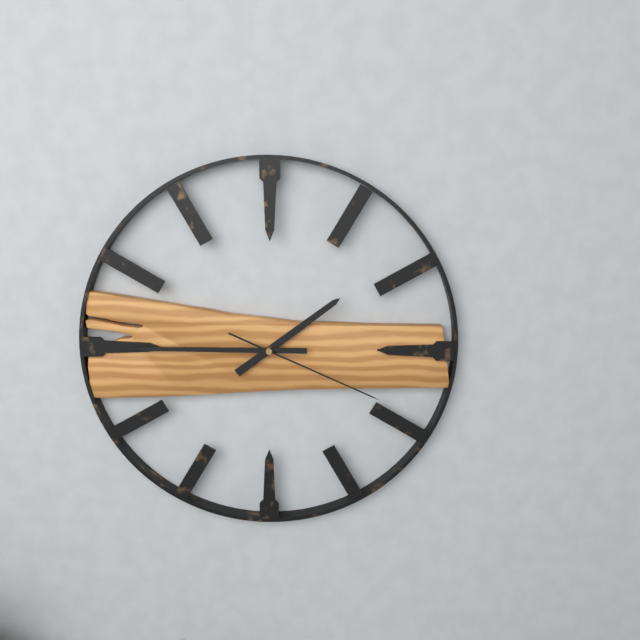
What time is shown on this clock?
1:45:19
